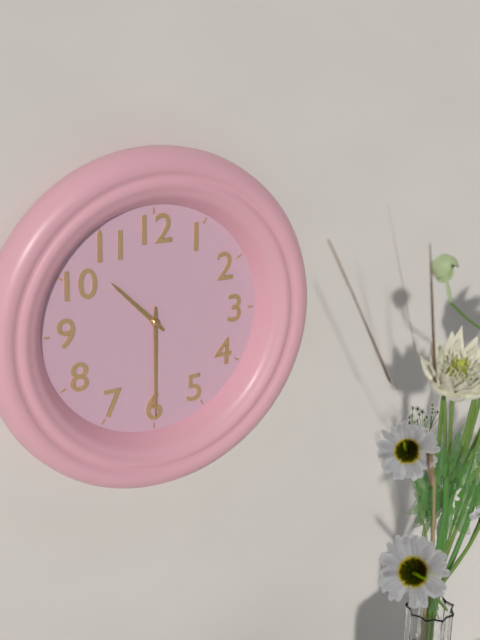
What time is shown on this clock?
10:30
